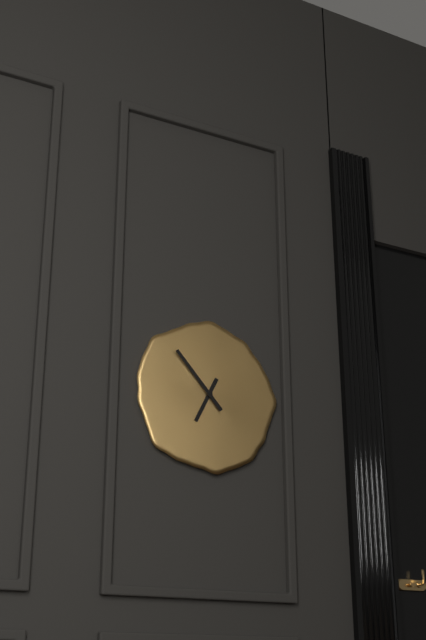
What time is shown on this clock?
6:53
